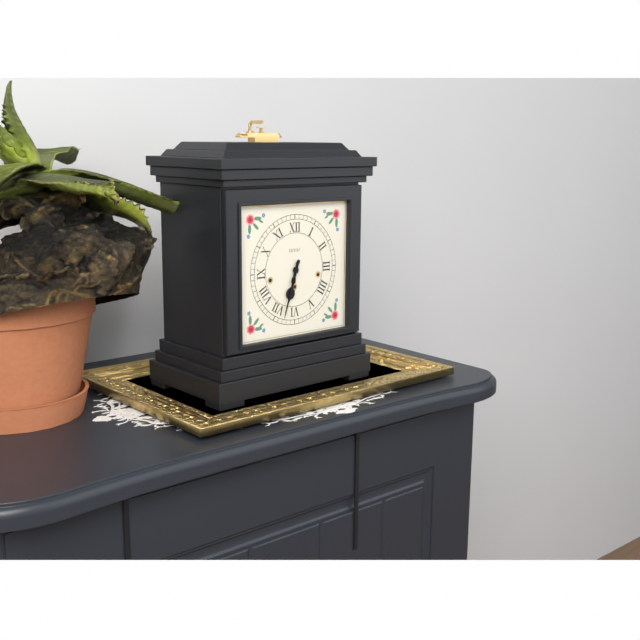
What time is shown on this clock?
6:33
